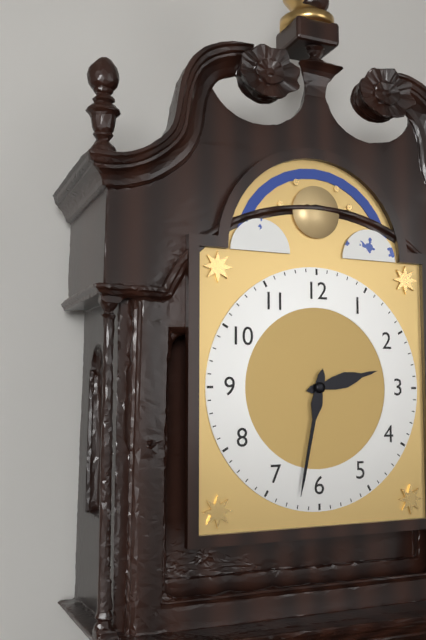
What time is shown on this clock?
2:32
